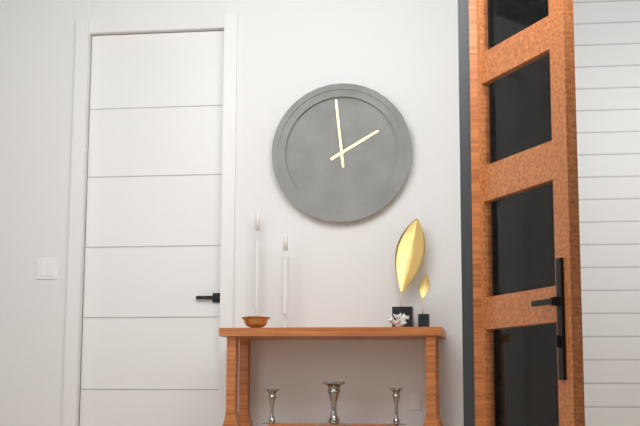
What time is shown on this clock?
1:59
